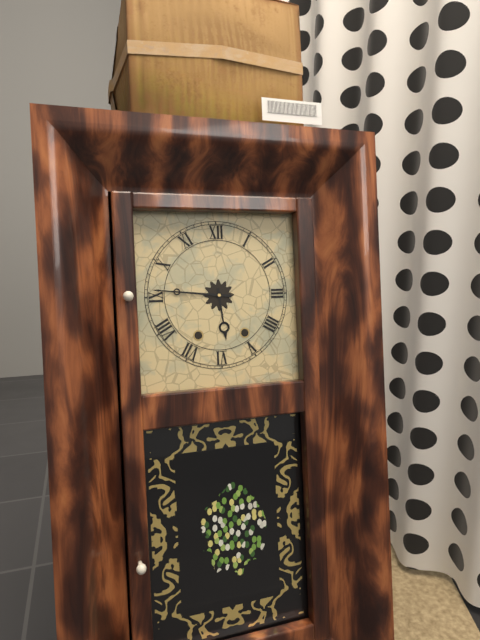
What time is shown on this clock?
5:46
